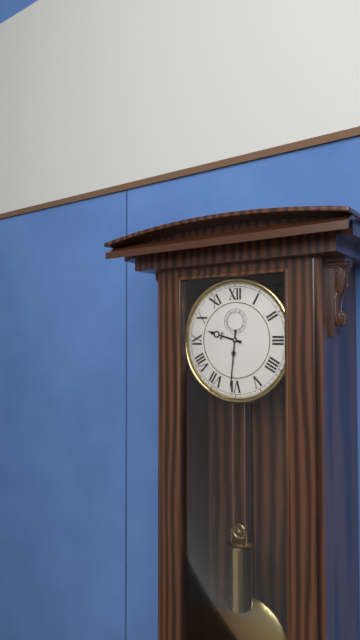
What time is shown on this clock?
9:31
